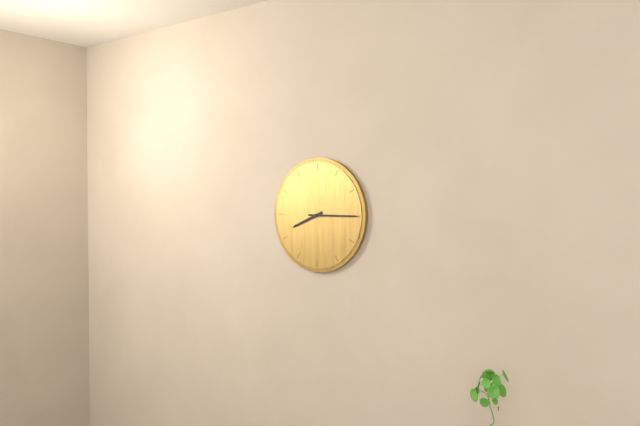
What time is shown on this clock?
8:15
